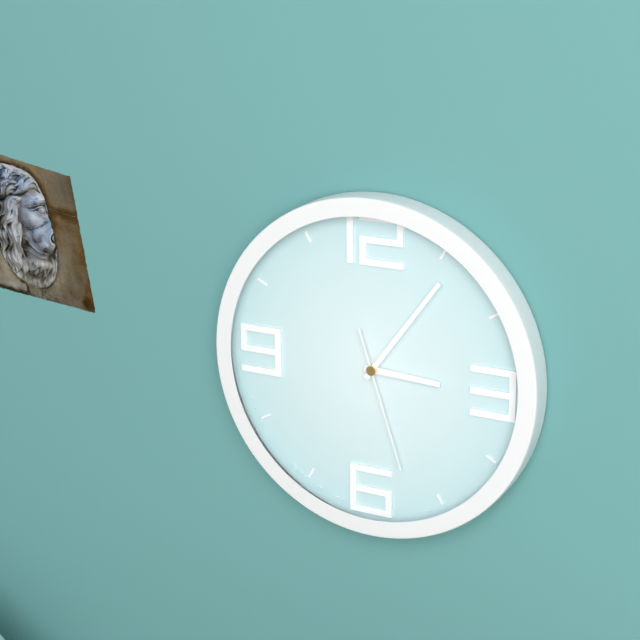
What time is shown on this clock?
3:06:27
